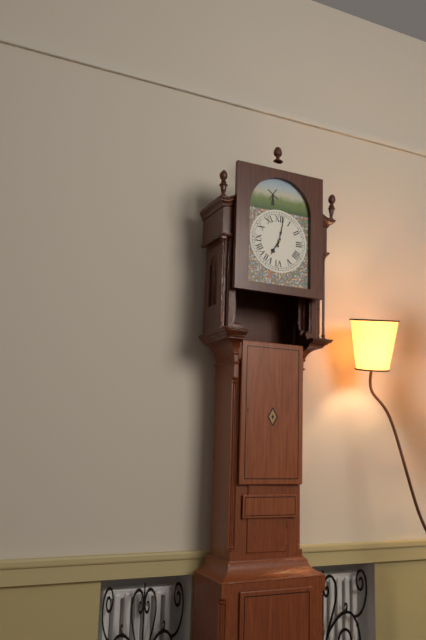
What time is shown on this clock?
7:02
